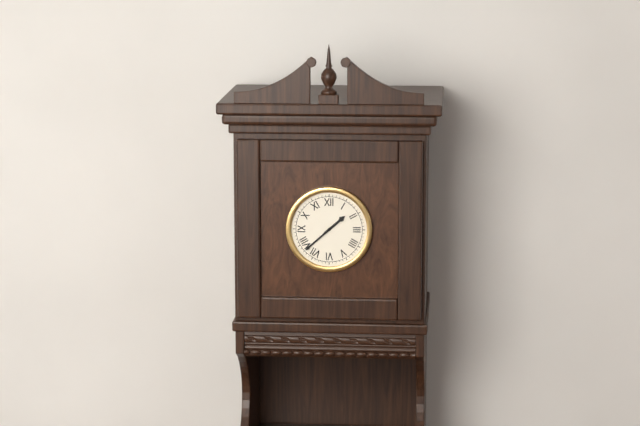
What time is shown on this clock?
1:38
